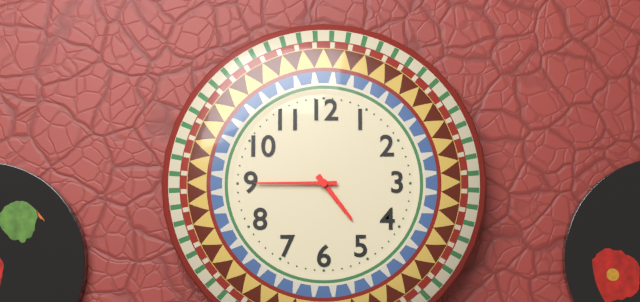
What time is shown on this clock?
4:45
